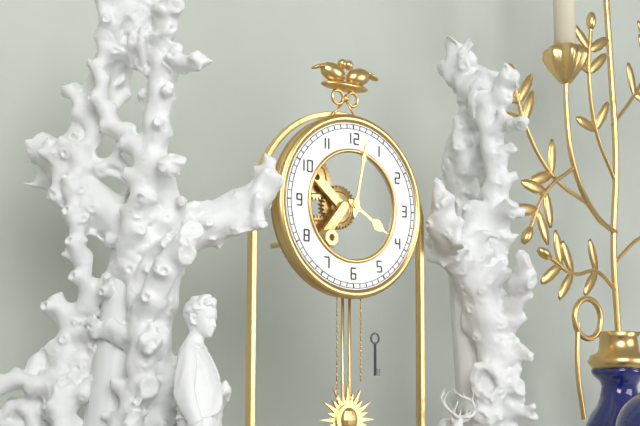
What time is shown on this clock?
4:02
